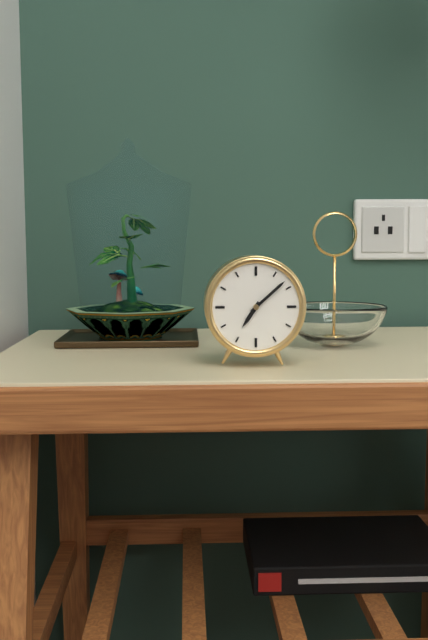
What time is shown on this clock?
7:08
